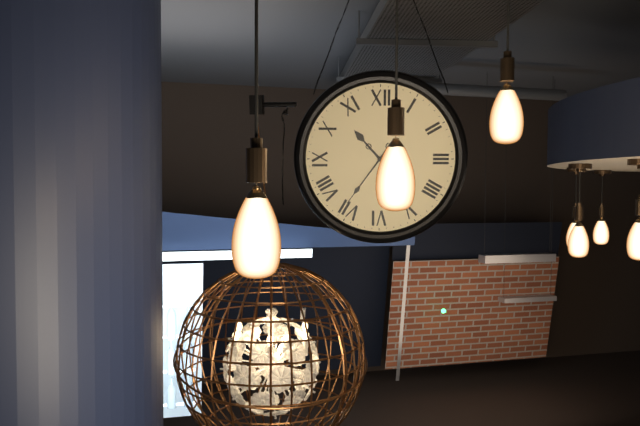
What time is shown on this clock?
10:36
